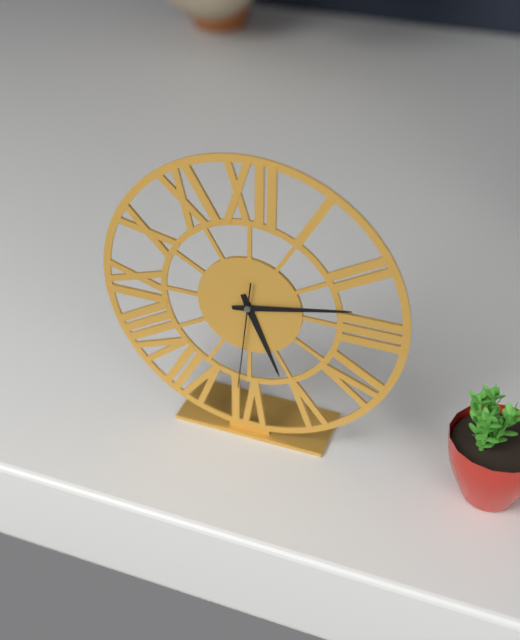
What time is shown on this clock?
5:13:31
